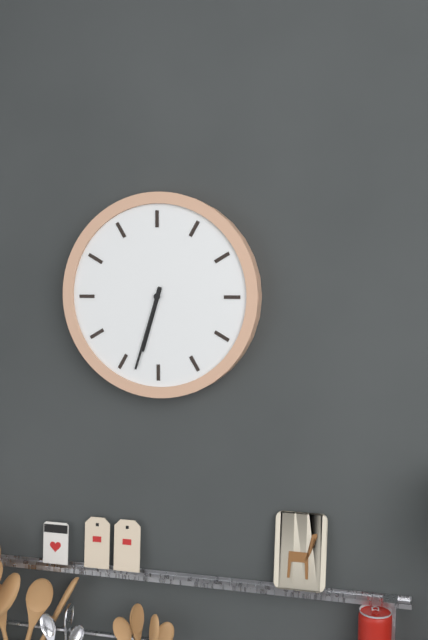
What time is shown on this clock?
6:33
